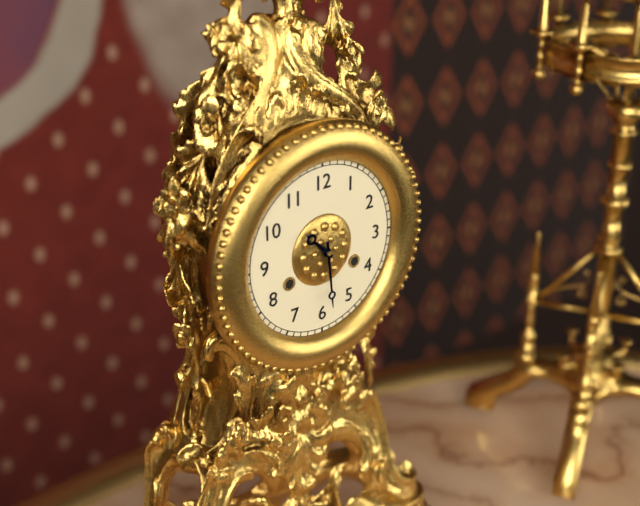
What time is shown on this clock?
10:29
